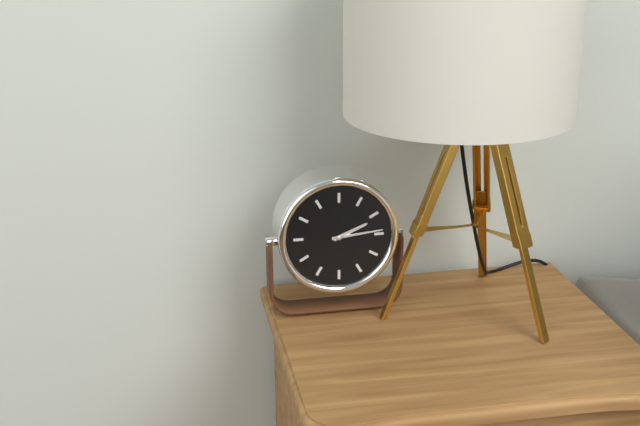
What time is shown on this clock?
2:14
